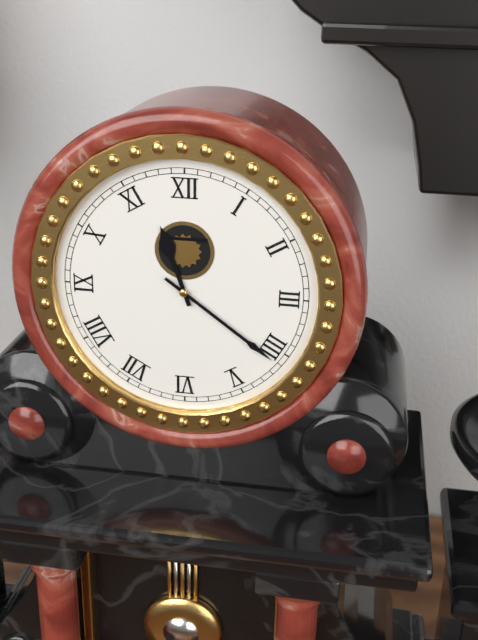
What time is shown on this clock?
11:21
